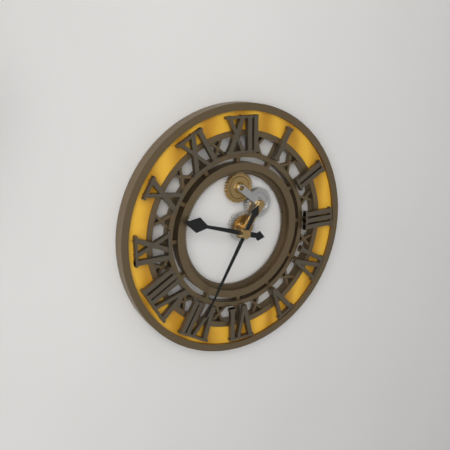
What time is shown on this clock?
9:35
